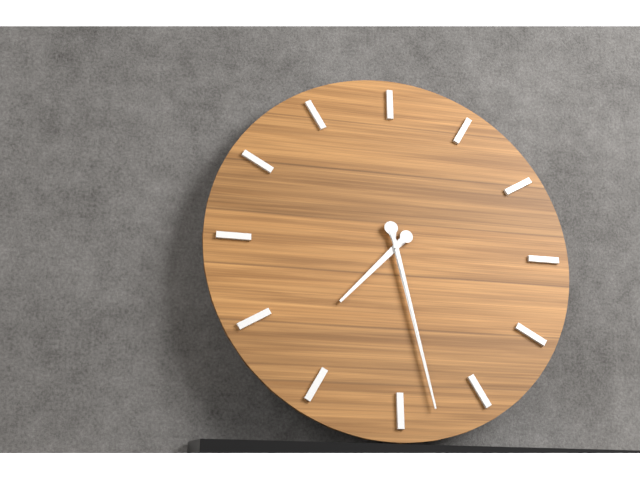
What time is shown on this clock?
7:28
